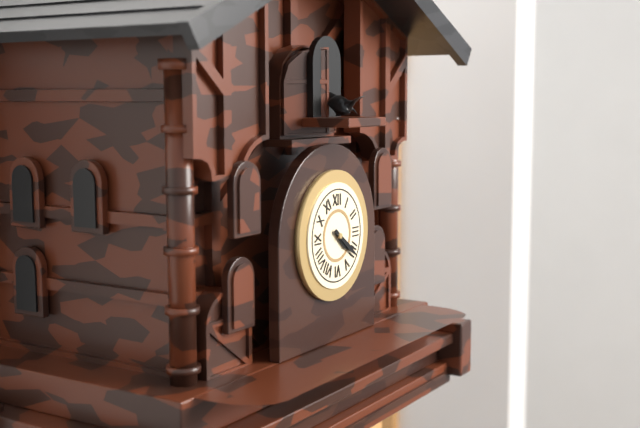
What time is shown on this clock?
4:21
